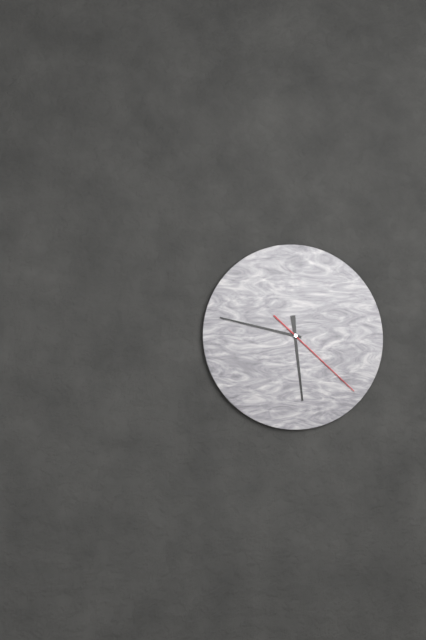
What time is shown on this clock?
5:47:22
